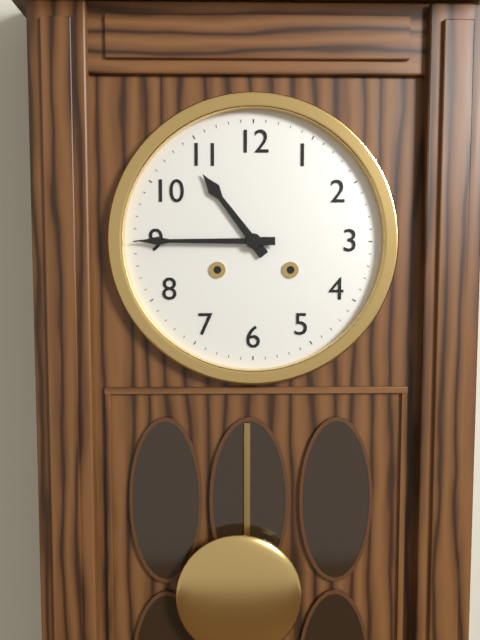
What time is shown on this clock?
10:45
